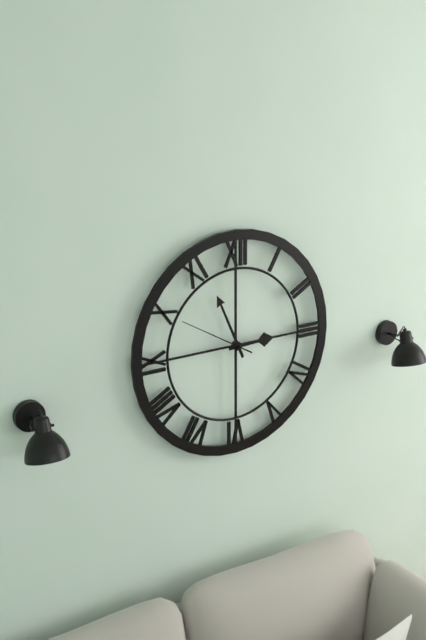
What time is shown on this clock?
2:56:50
